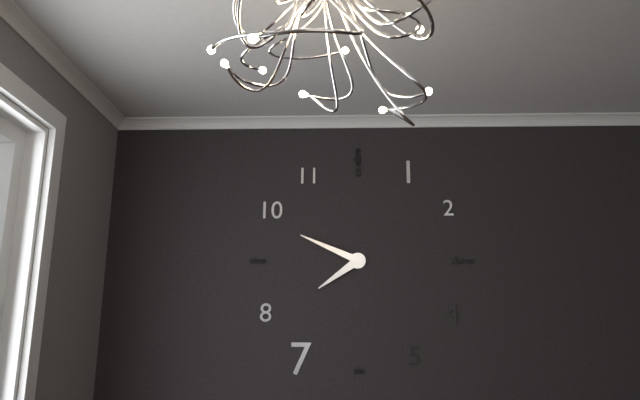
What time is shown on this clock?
7:49
